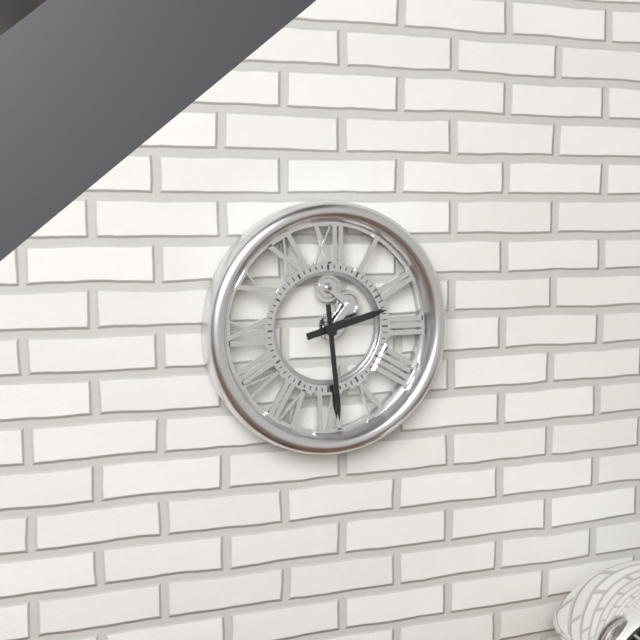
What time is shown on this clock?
2:29
